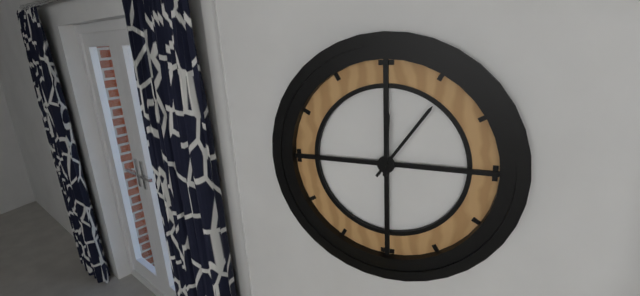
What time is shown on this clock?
12:06
